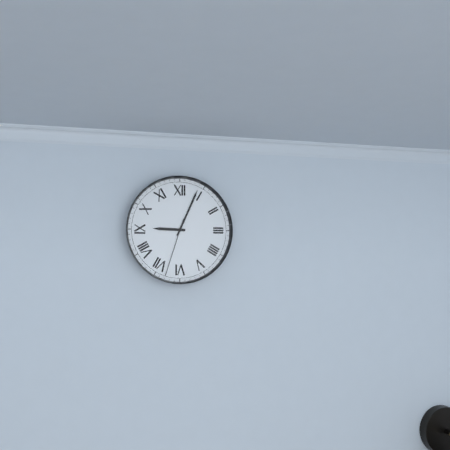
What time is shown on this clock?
9:04:33
